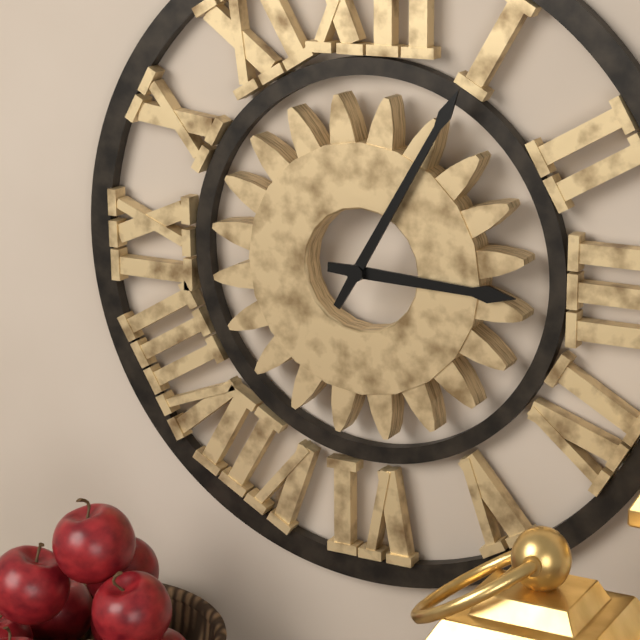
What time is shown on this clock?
3:05
